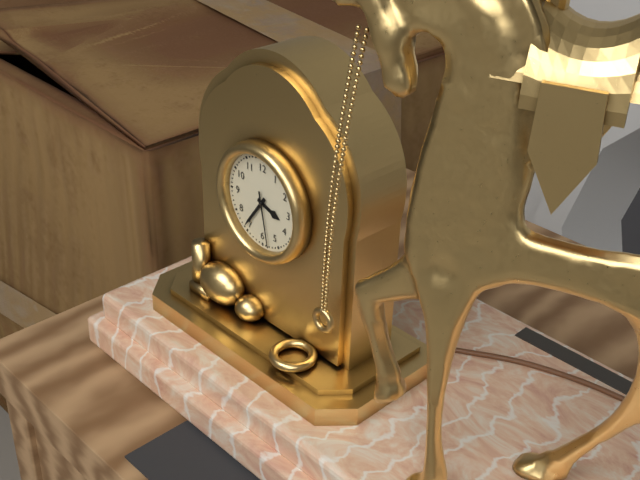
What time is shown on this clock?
3:36:28
